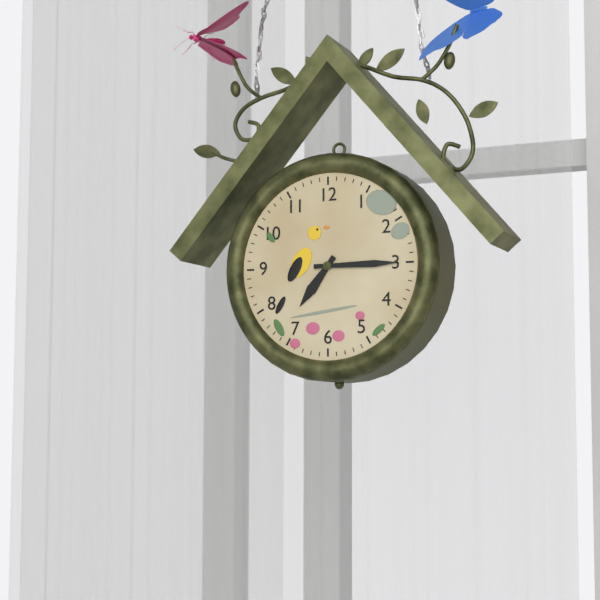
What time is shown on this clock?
7:15
